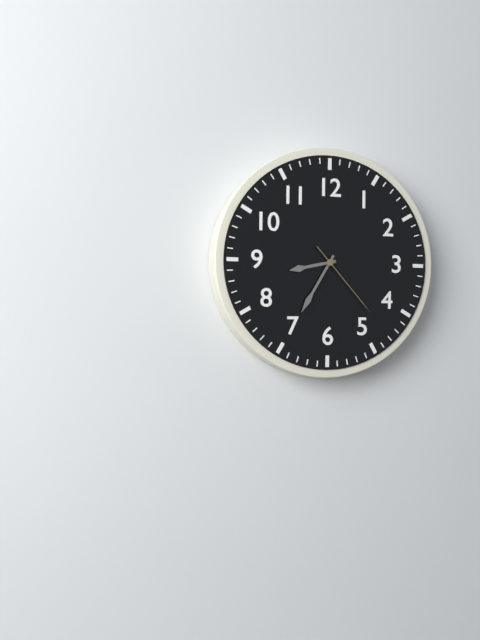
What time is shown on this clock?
8:35:23
